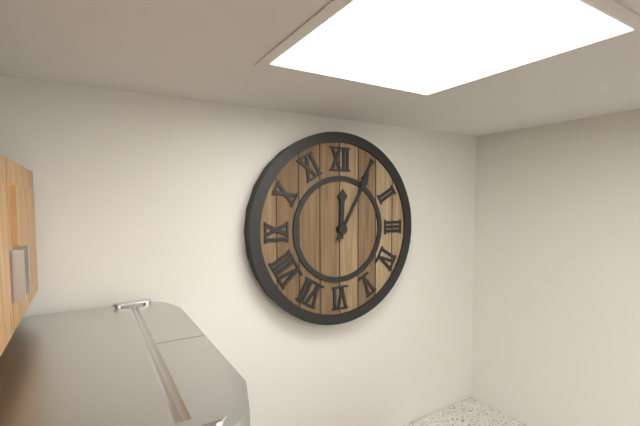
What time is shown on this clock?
12:05
